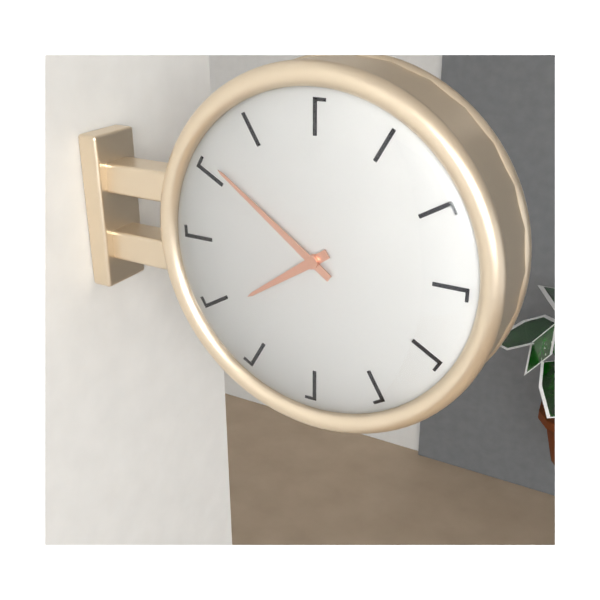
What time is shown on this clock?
7:51
